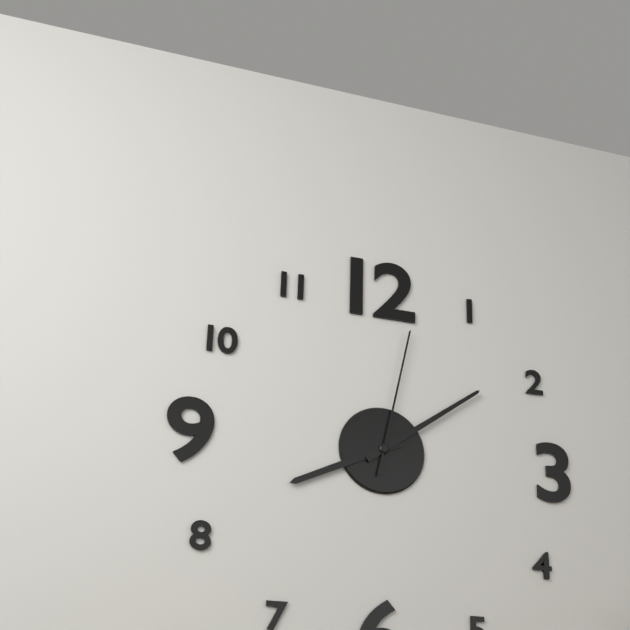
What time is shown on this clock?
8:09:02
